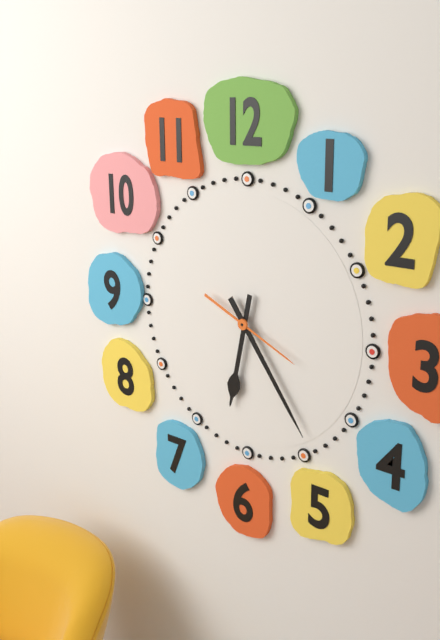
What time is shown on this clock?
6:24:19
